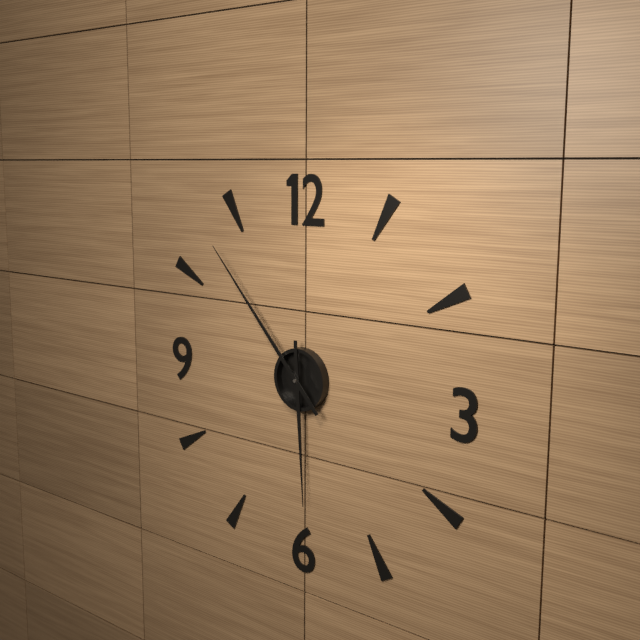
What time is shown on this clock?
5:53
